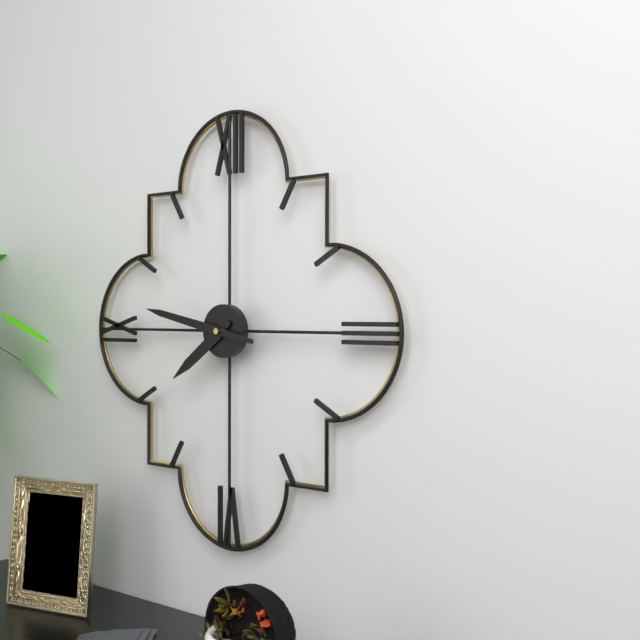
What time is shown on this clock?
7:47
